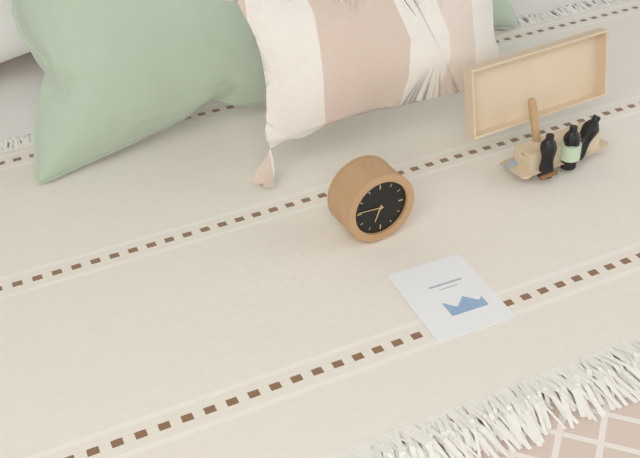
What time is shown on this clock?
6:46
